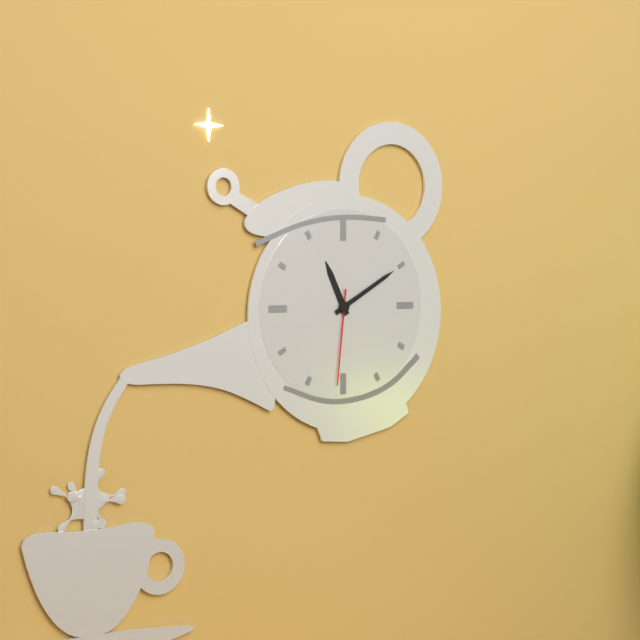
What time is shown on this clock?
11:10:31
